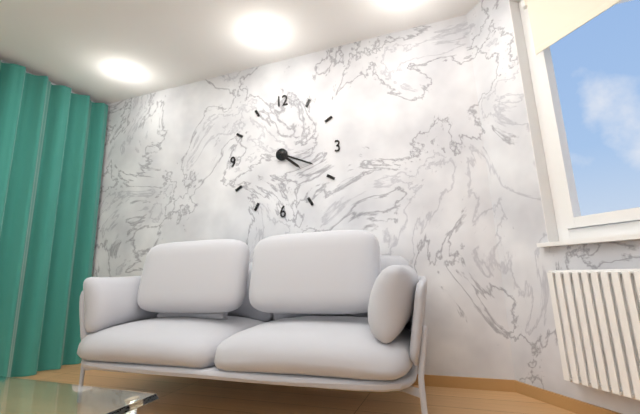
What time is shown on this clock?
4:19
